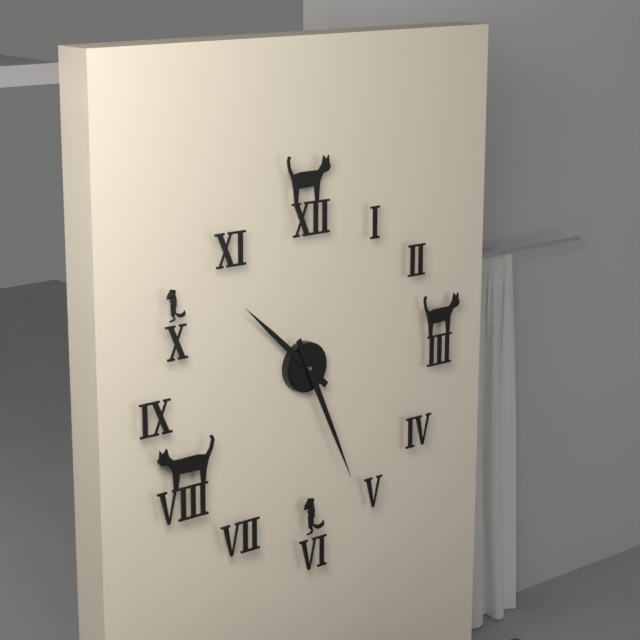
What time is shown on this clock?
10:26
